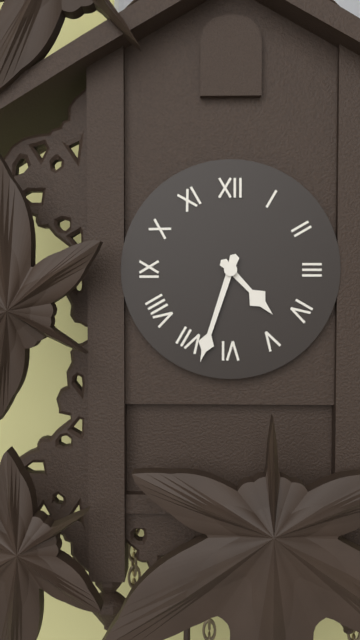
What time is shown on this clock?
4:33
